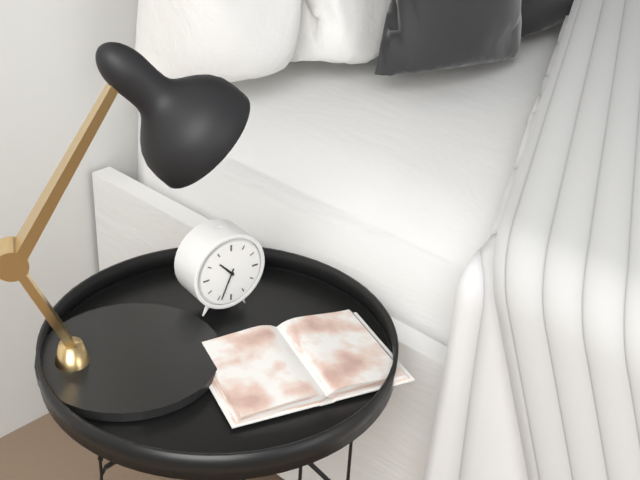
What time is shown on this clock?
10:34
